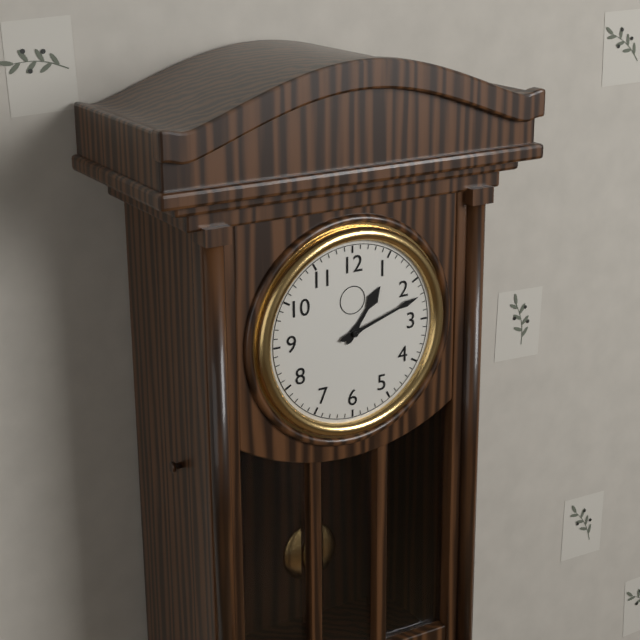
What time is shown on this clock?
1:12
